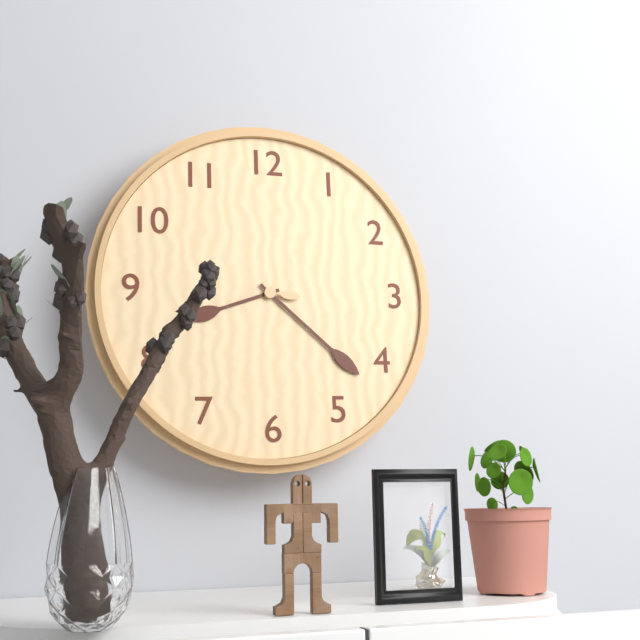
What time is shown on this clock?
8:22:16
